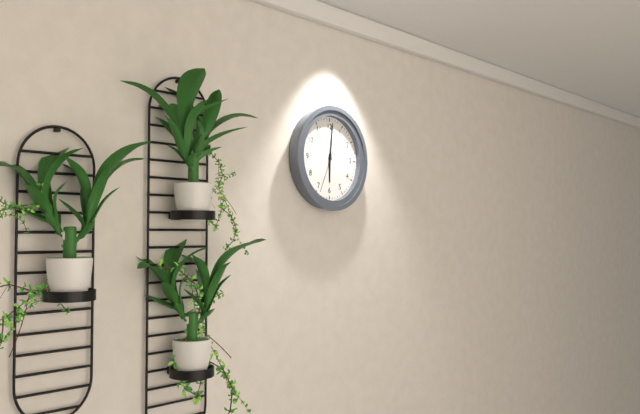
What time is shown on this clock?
6:01
